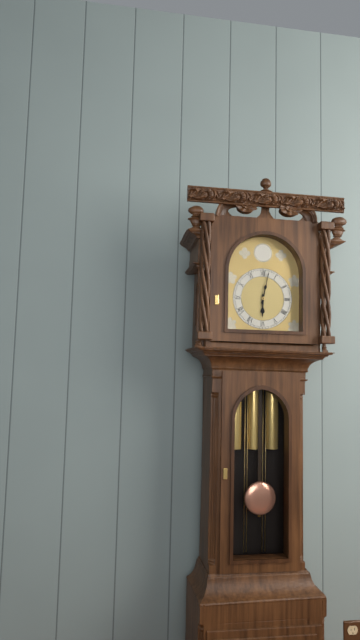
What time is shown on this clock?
6:02
